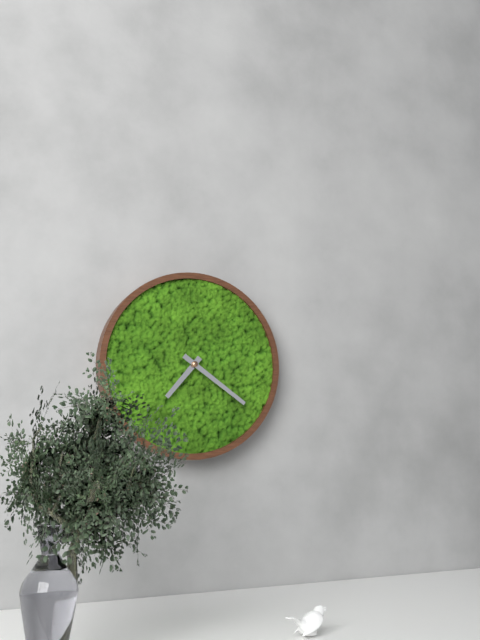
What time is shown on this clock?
7:21
